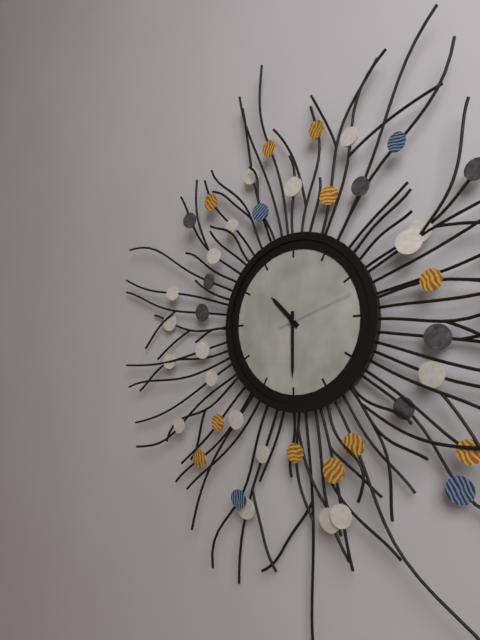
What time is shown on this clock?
10:30:12
